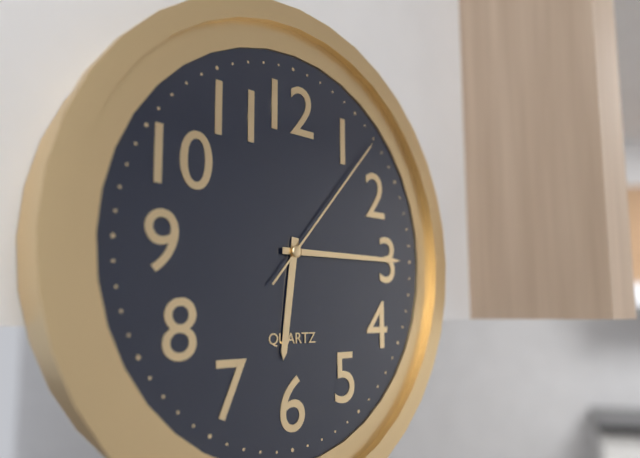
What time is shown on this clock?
6:15:07
